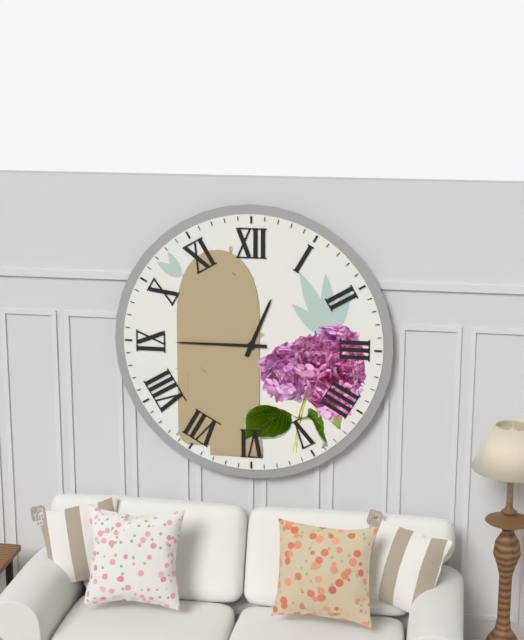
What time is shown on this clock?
12:45
